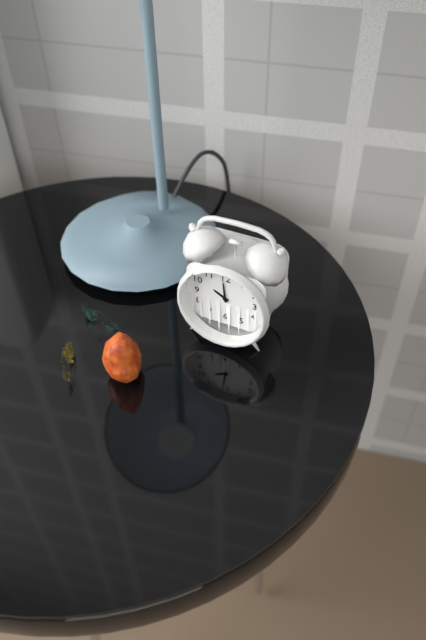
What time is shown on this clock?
9:59
